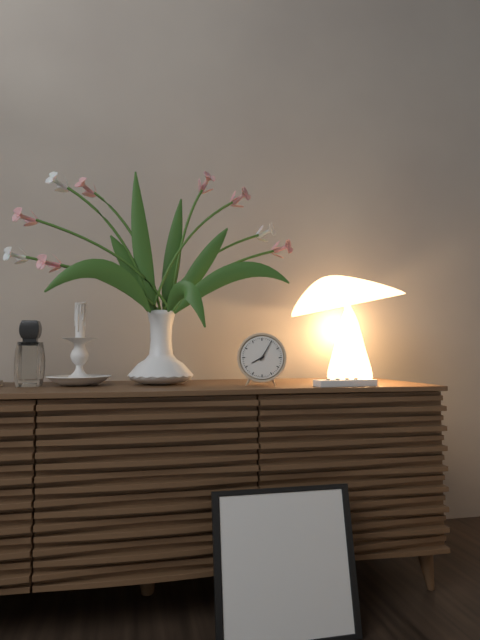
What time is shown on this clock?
8:05
